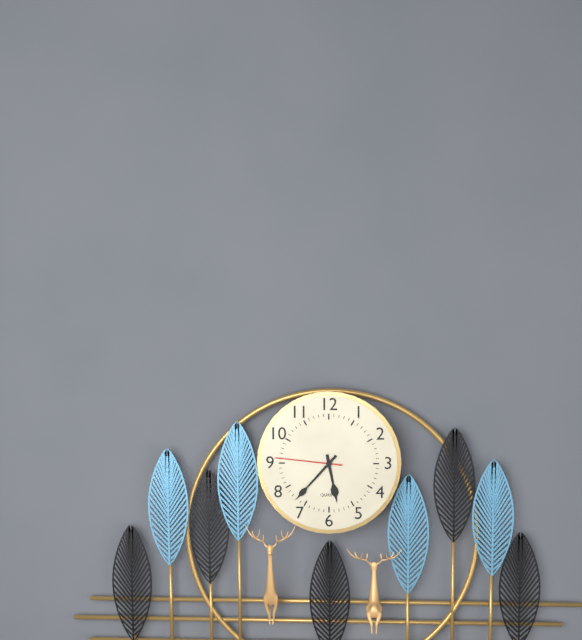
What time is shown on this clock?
5:37:46
